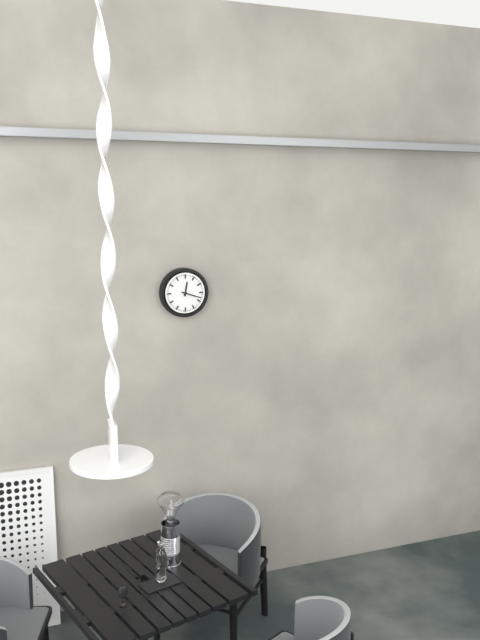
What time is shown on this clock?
12:18
